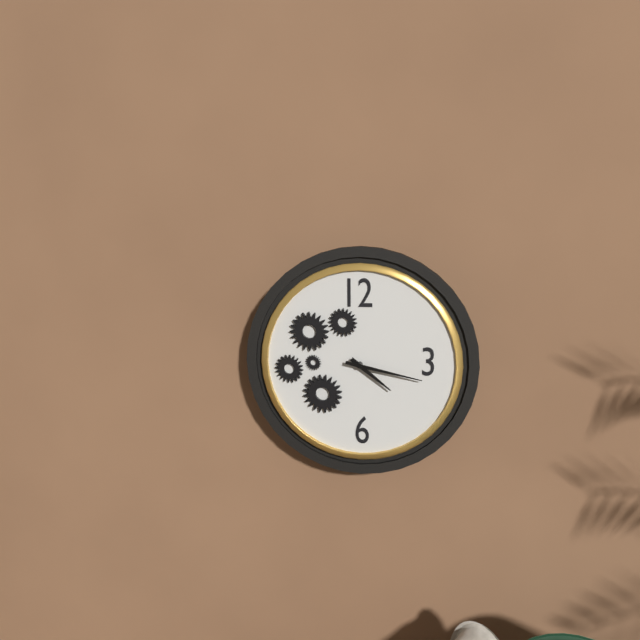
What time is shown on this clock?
4:17
